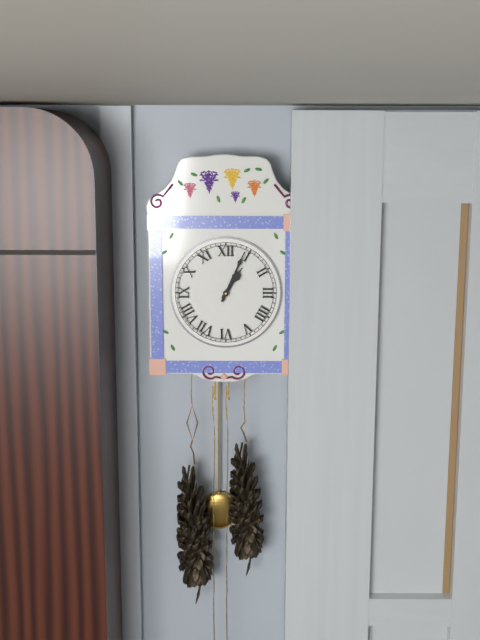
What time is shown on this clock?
1:04
